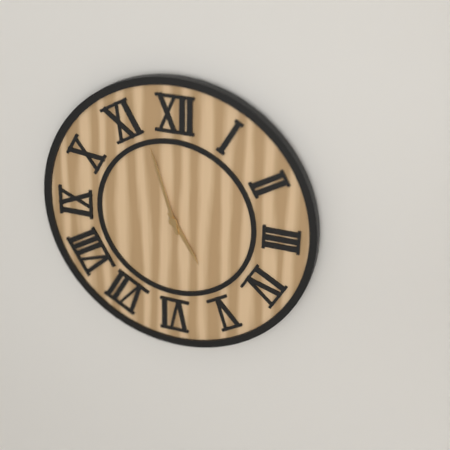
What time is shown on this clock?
4:57
